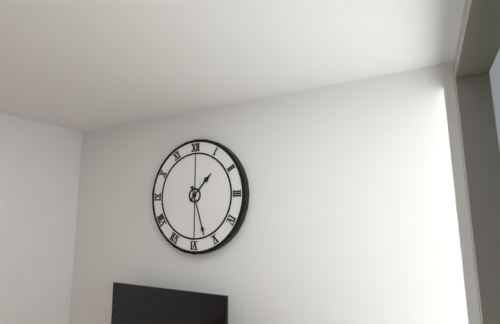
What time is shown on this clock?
1:27
